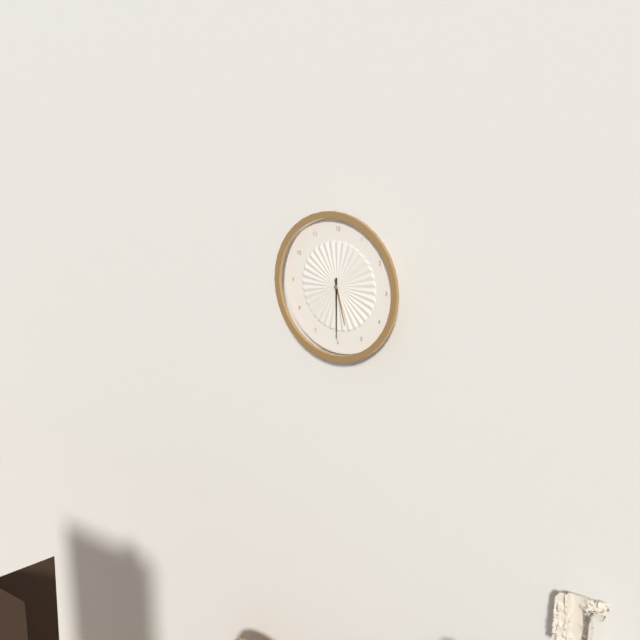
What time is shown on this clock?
5:30
